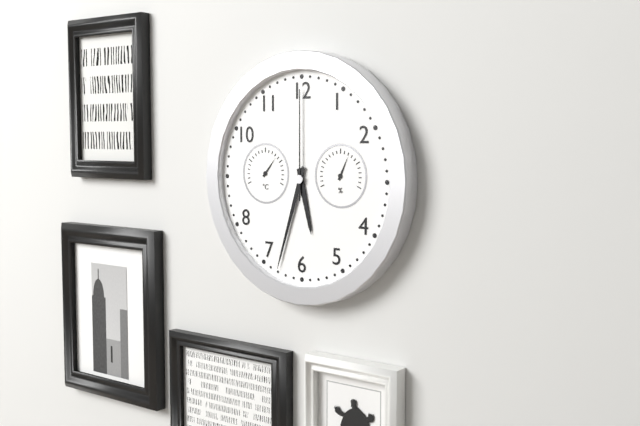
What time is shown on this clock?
5:33:00
